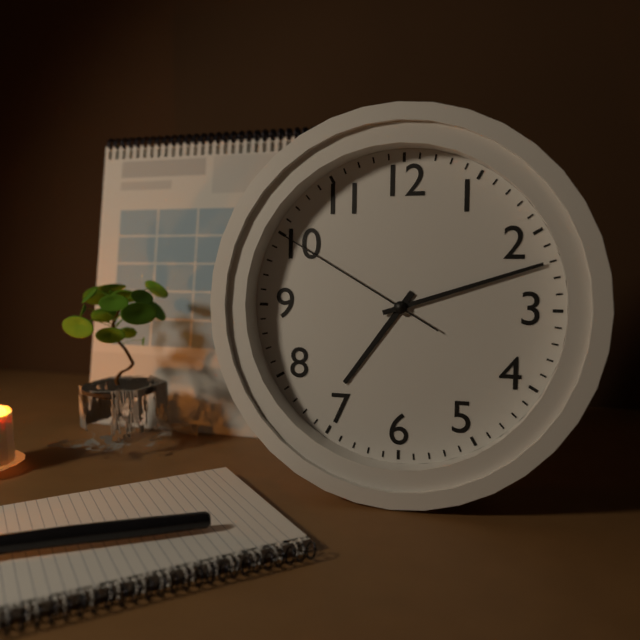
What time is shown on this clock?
7:12:50
